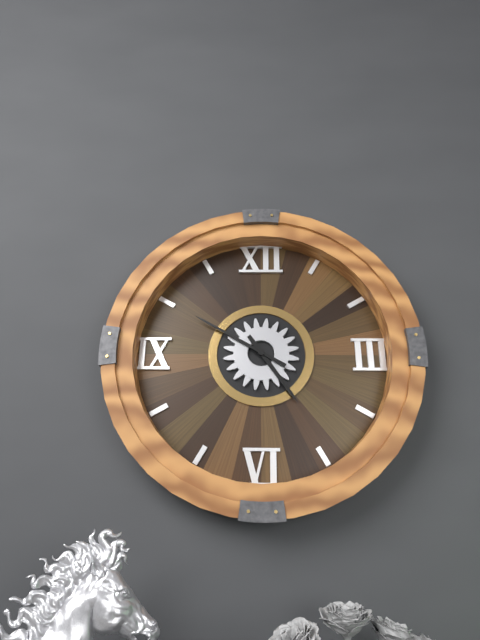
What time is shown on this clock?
4:50
